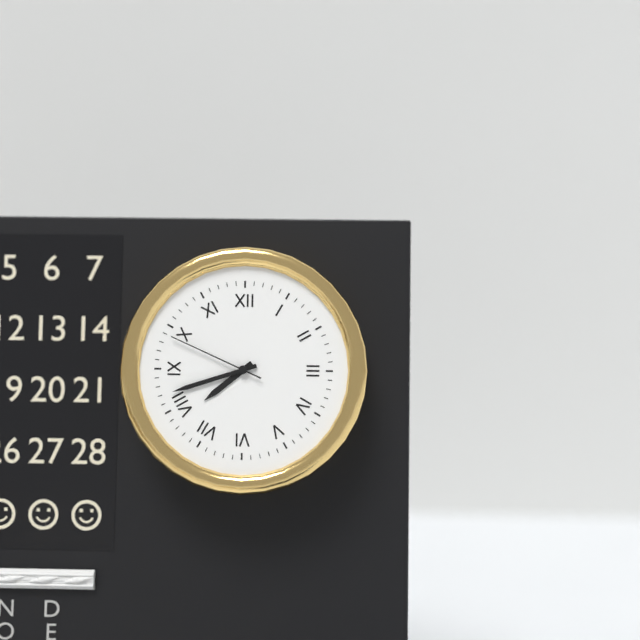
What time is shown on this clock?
7:42:49
